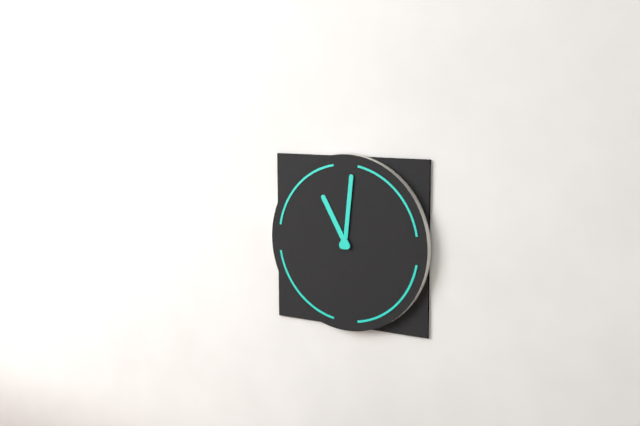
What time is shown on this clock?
11:01
